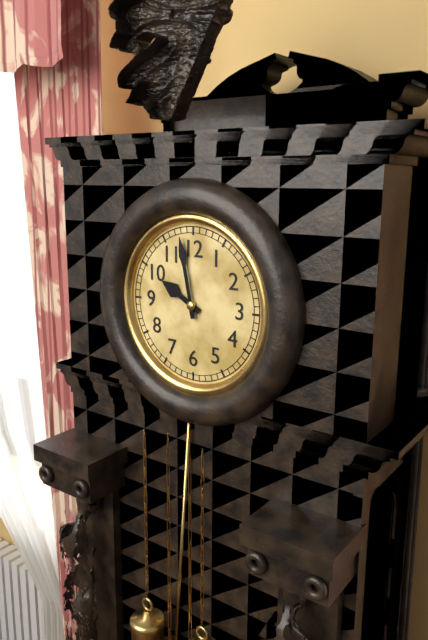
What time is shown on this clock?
9:58
